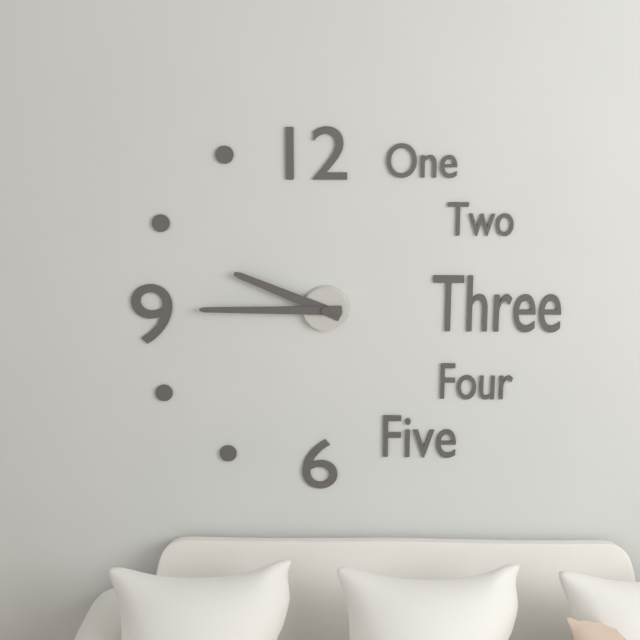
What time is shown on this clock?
9:45
